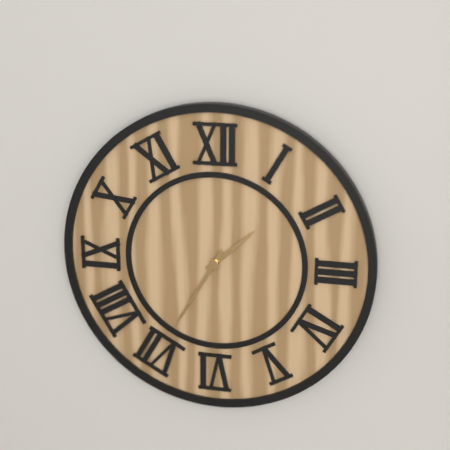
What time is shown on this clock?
1:35
